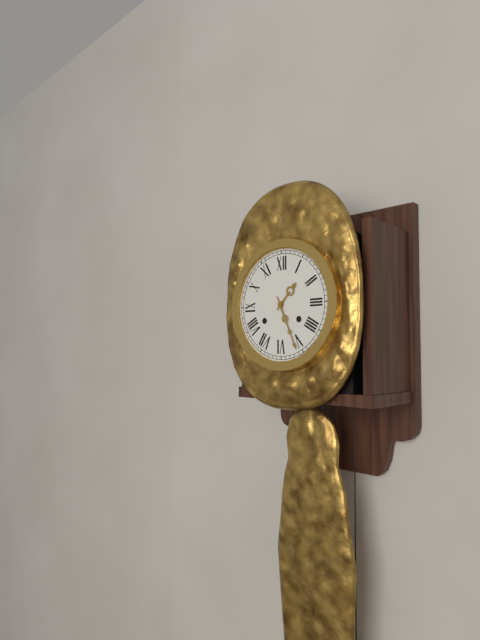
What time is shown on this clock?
1:26
